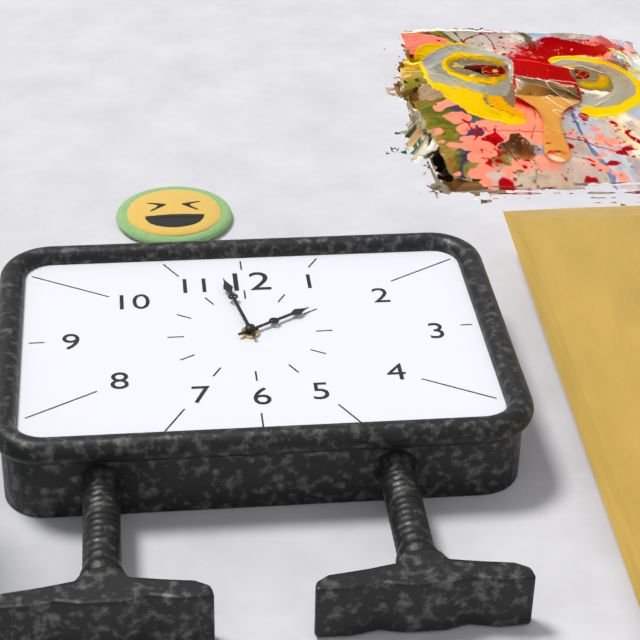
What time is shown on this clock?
1:58
